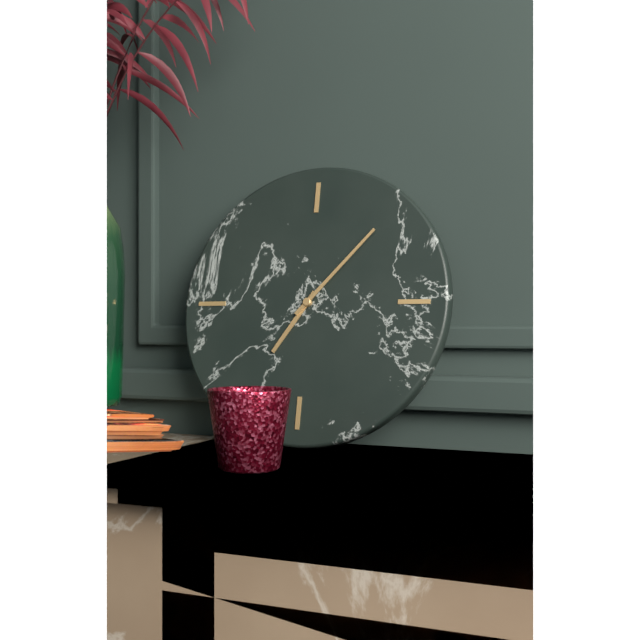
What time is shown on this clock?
7:07
